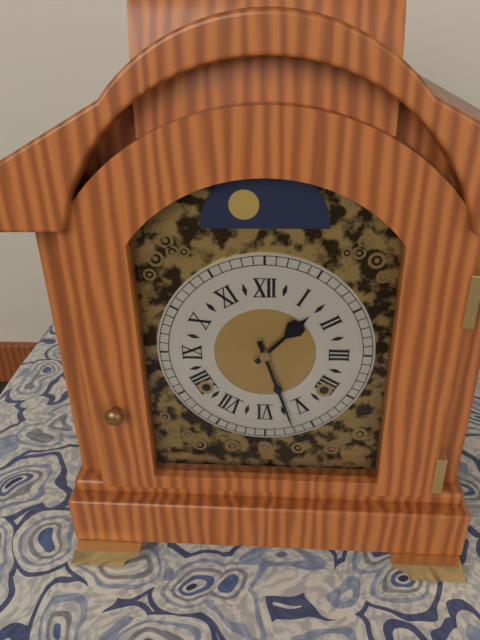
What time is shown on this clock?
1:27
